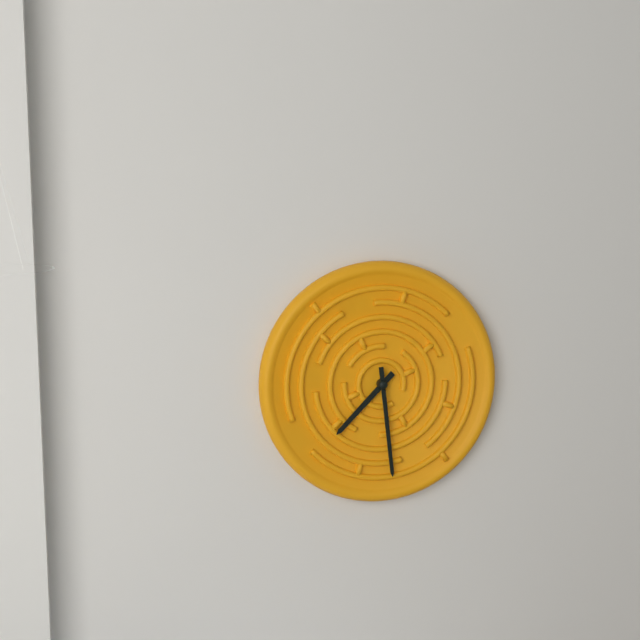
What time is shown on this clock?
7:29
